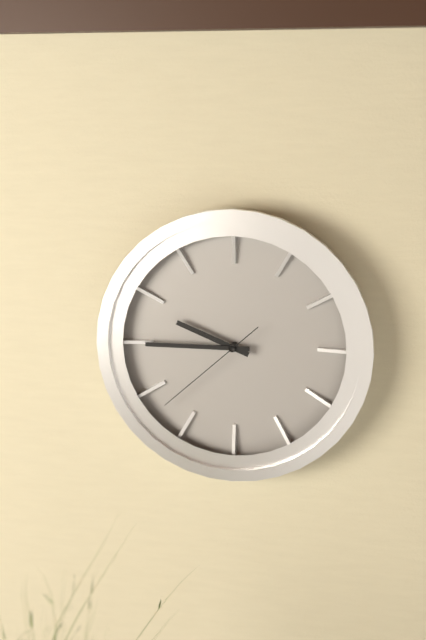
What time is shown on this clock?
9:45:38
